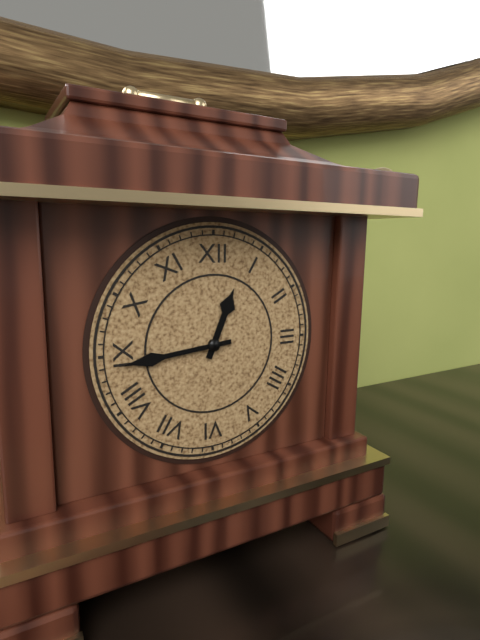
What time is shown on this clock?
12:44
